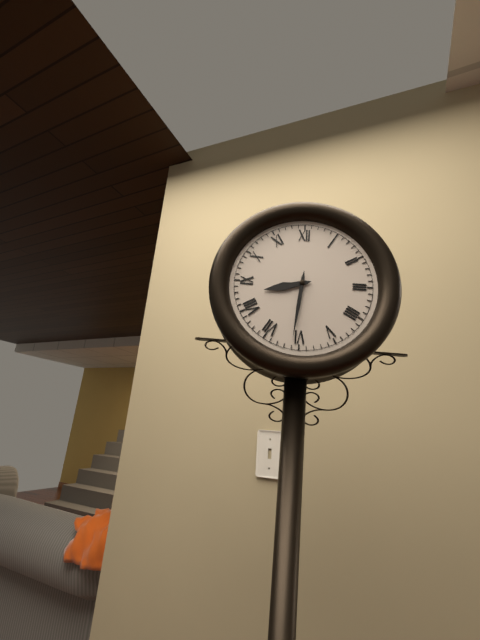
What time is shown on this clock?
8:31
